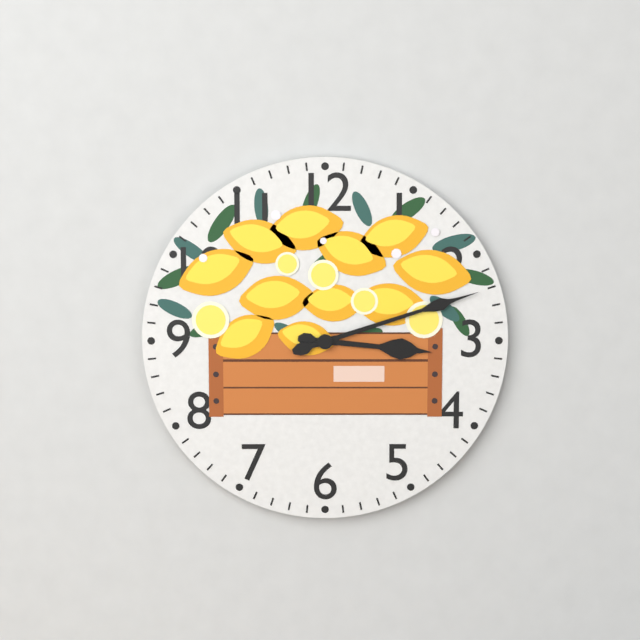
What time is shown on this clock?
3:12
